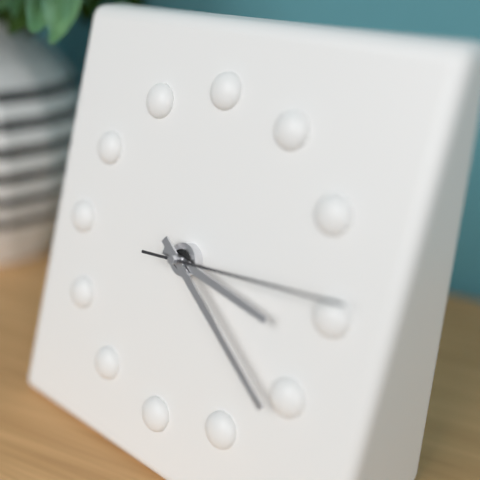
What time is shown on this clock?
3:21:14
